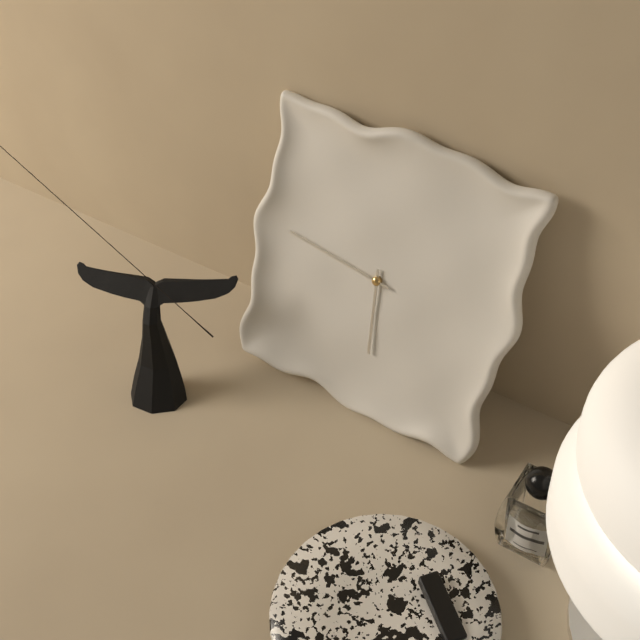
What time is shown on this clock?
5:46
